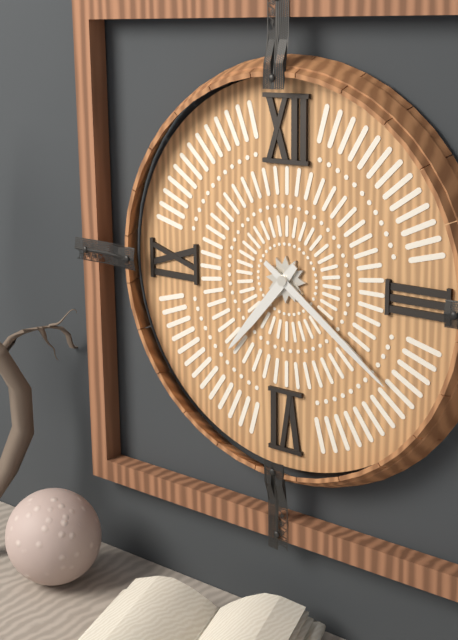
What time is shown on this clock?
7:21
